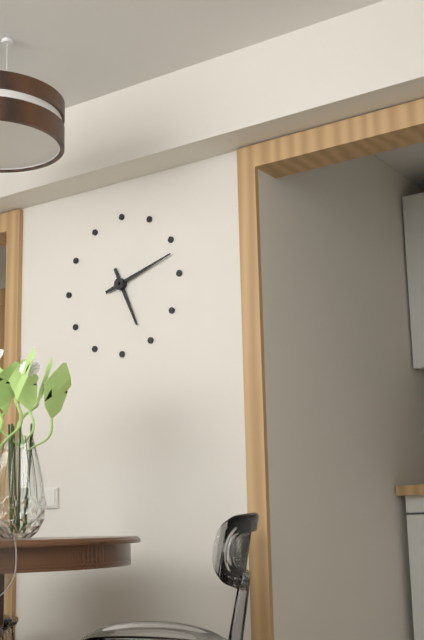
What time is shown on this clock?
5:12
